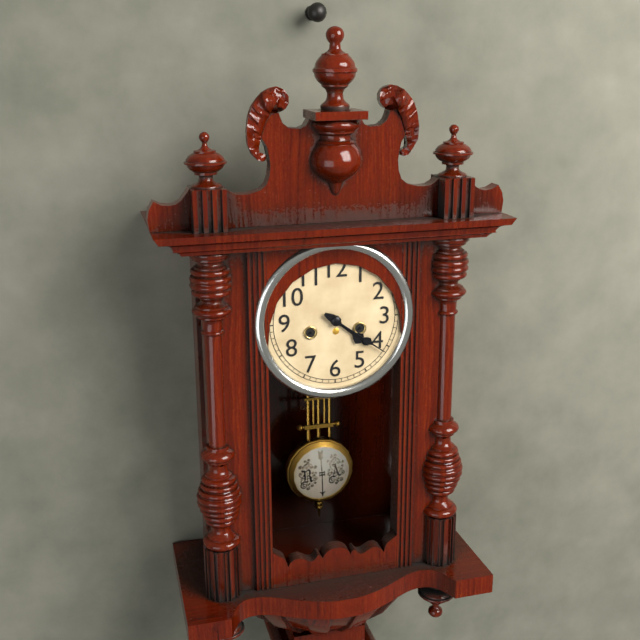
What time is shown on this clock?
4:21
